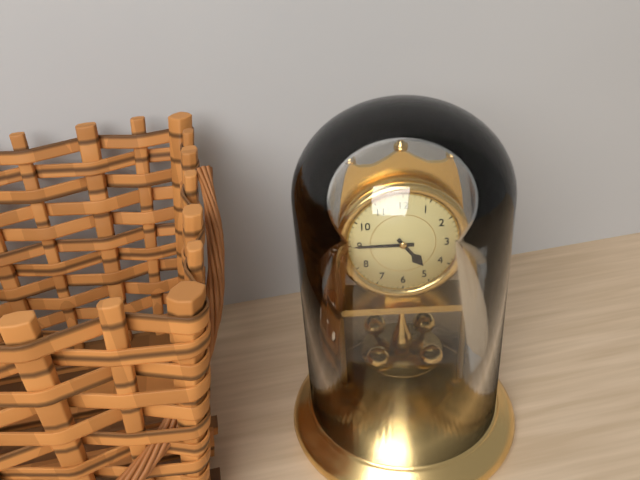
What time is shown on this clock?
4:45
